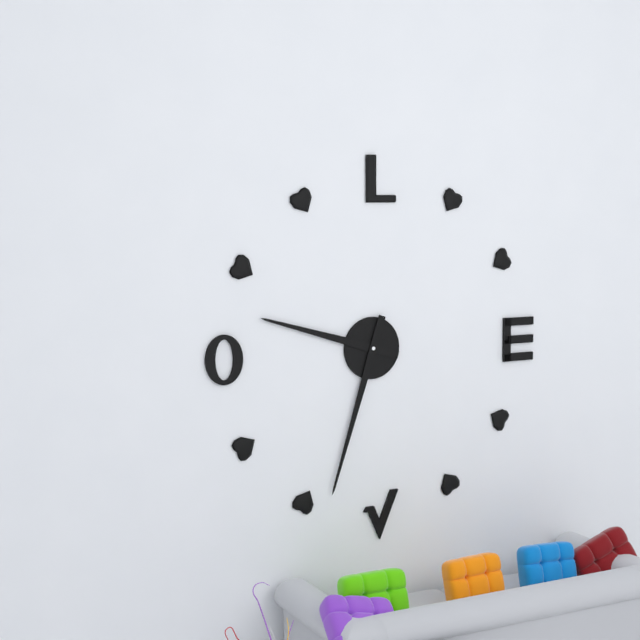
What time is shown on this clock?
9:33
